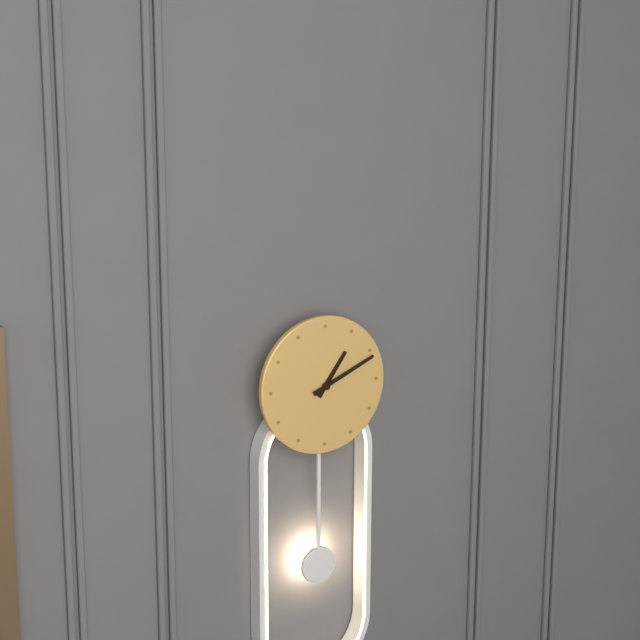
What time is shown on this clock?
1:11
